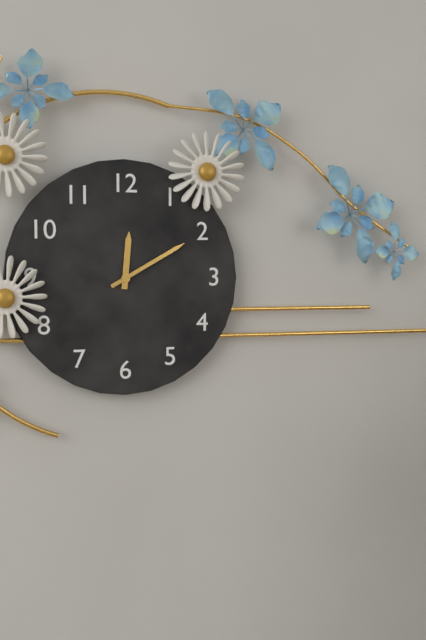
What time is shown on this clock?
12:10
